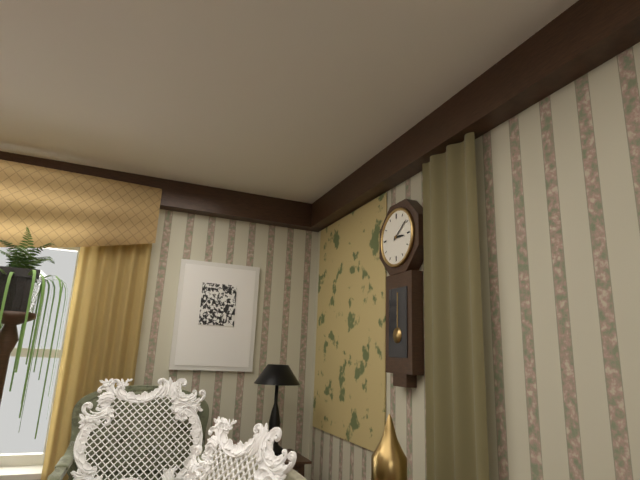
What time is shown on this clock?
3:09
